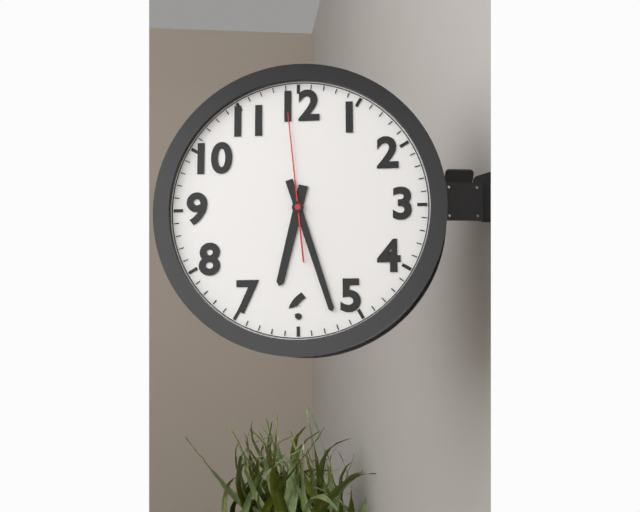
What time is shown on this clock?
6:27:59
